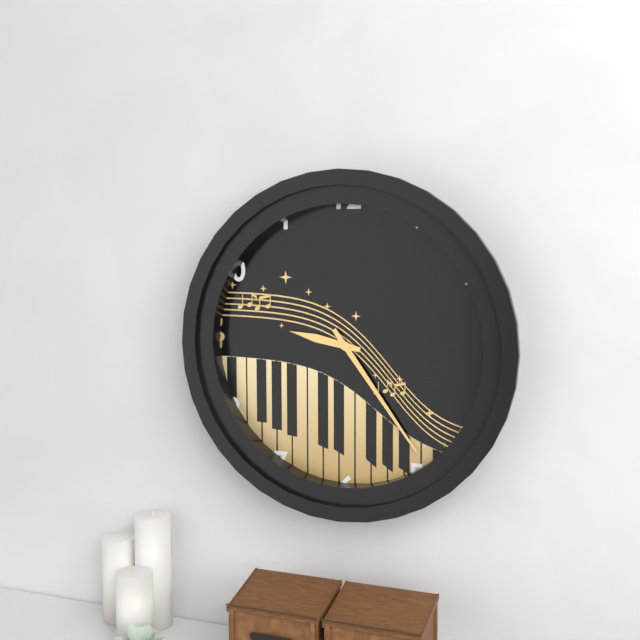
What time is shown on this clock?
9:24
